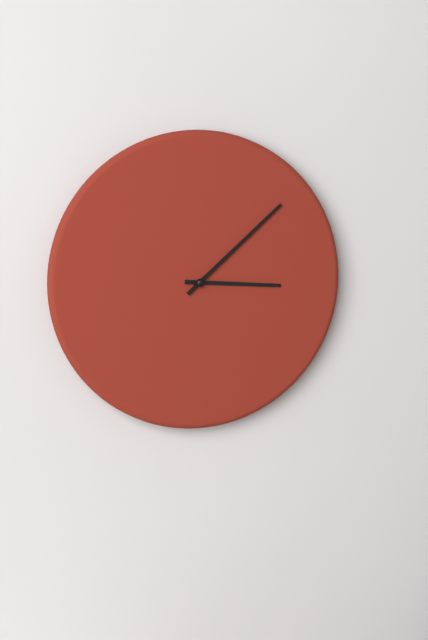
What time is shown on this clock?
3:08
